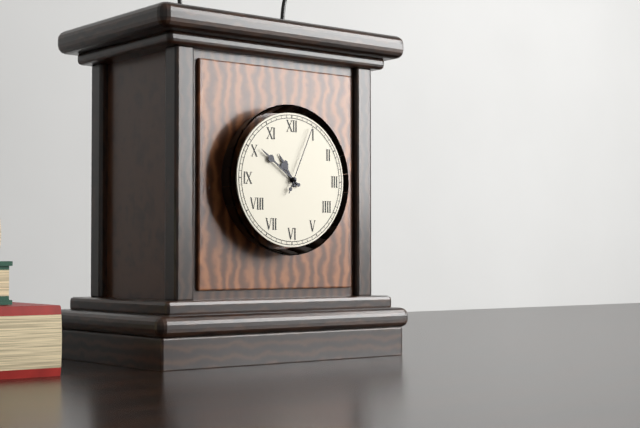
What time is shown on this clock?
10:51:04
